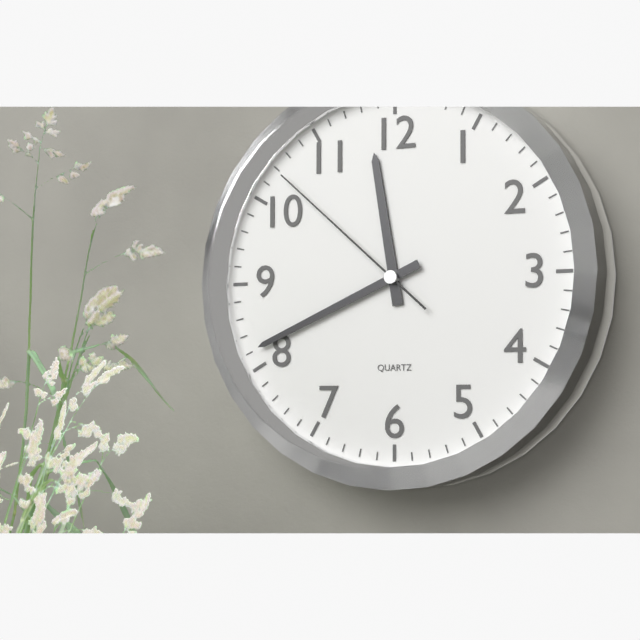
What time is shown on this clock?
11:41:52
